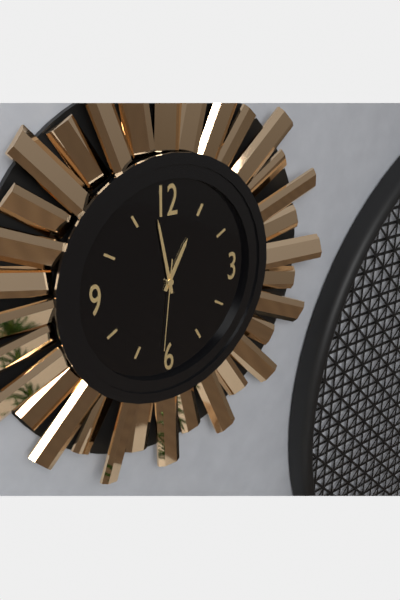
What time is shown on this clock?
12:58:31
